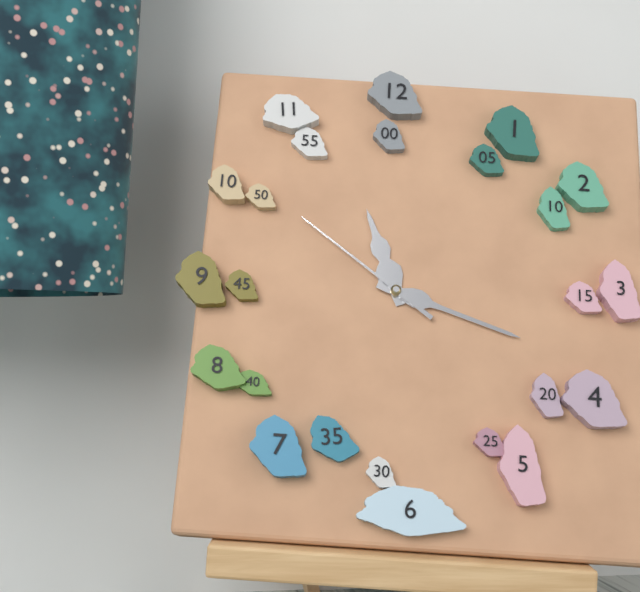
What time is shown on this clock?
11:18:51
